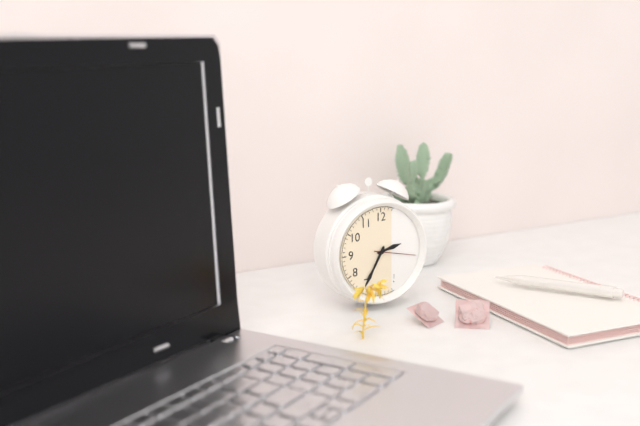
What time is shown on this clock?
2:35
